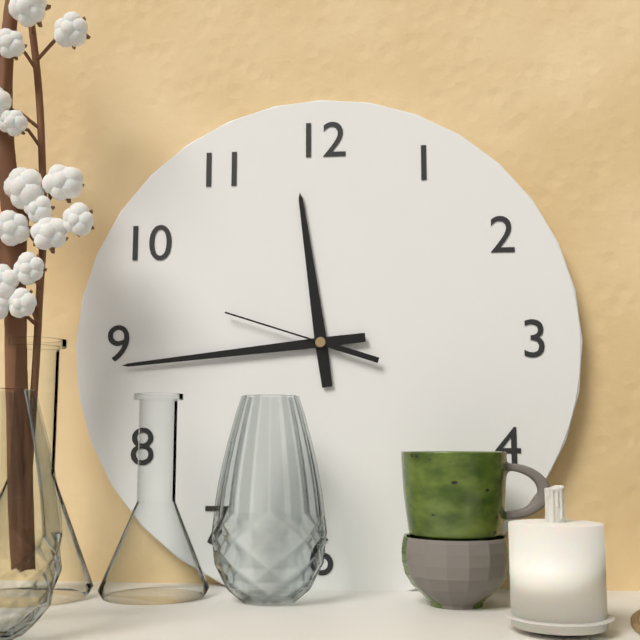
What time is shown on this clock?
11:44:48
